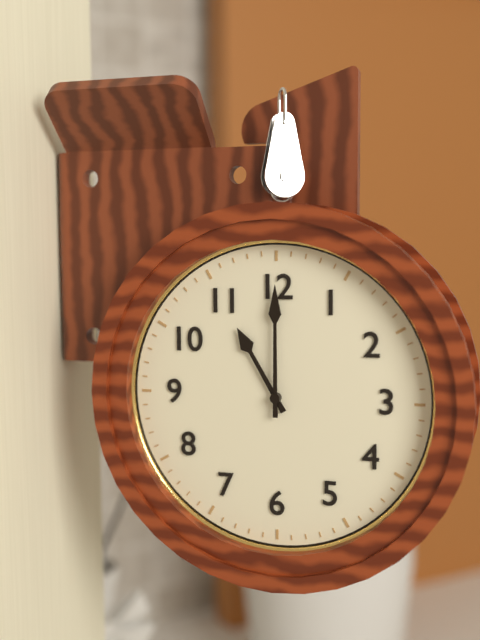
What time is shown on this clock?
11:00
